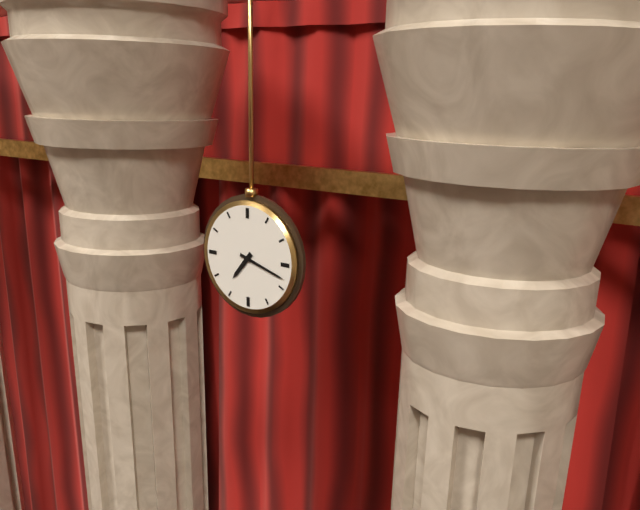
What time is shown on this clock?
7:18
